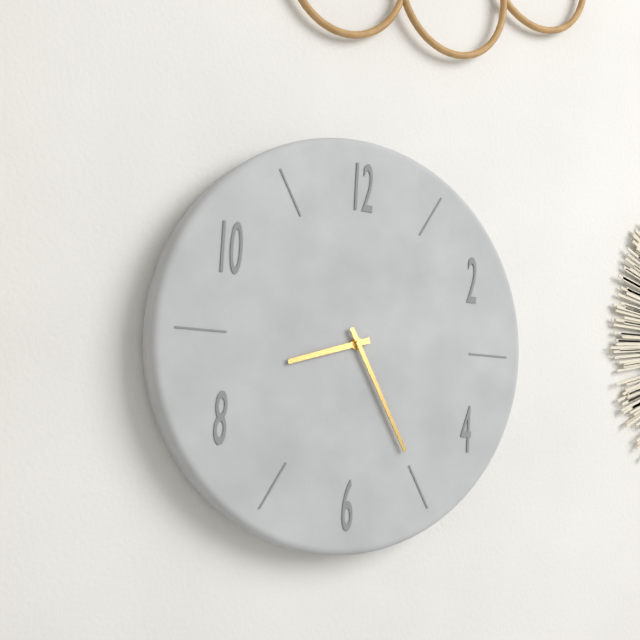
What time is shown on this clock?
8:25
